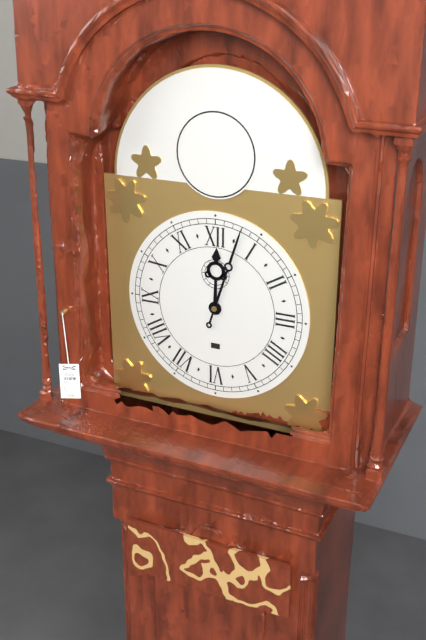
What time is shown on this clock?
12:03
